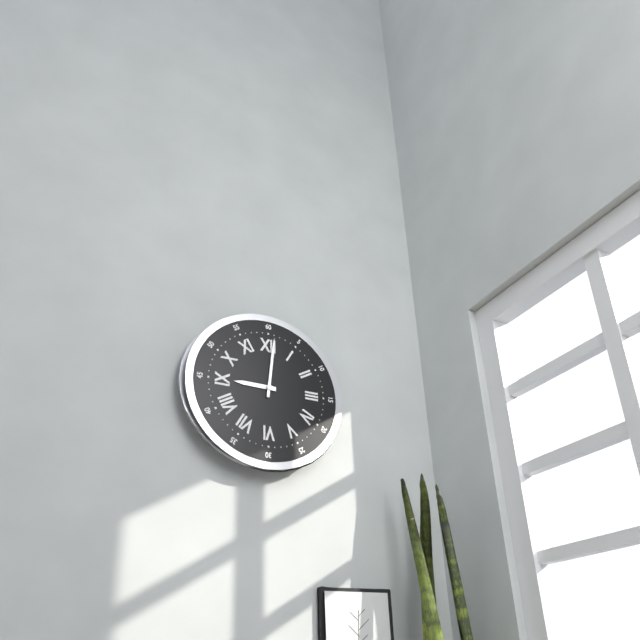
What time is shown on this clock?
9:01
